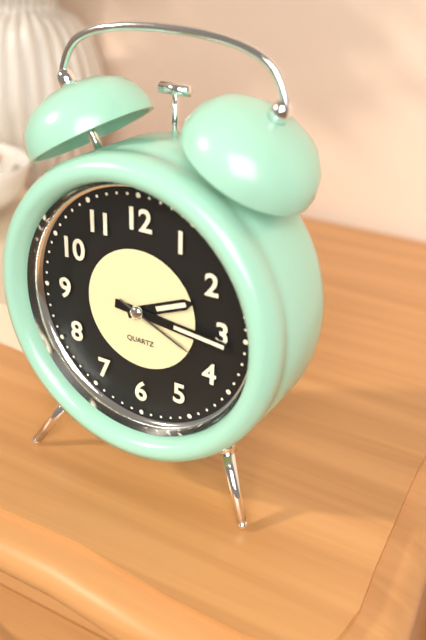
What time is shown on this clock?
2:16:19
